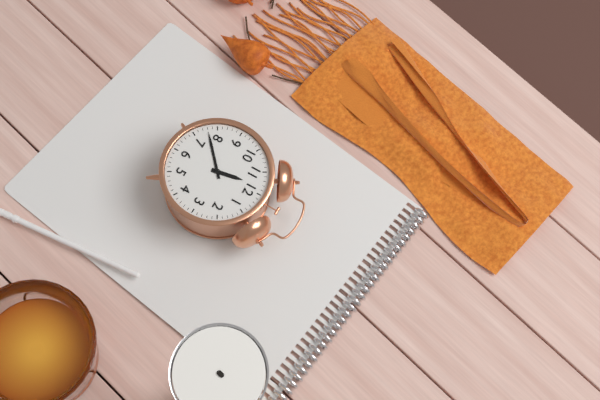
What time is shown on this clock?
11:38
